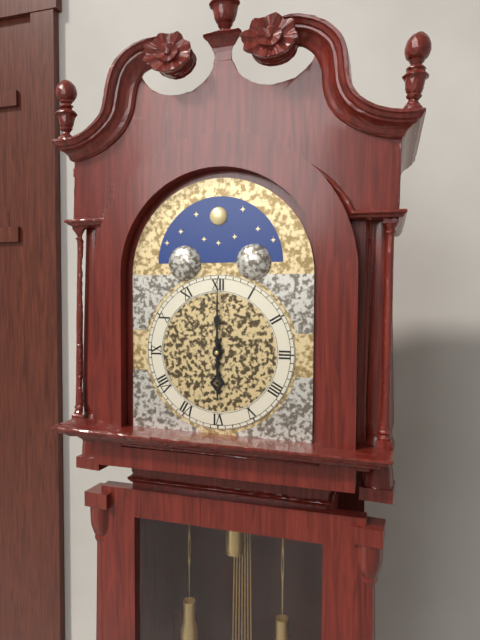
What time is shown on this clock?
6:00
